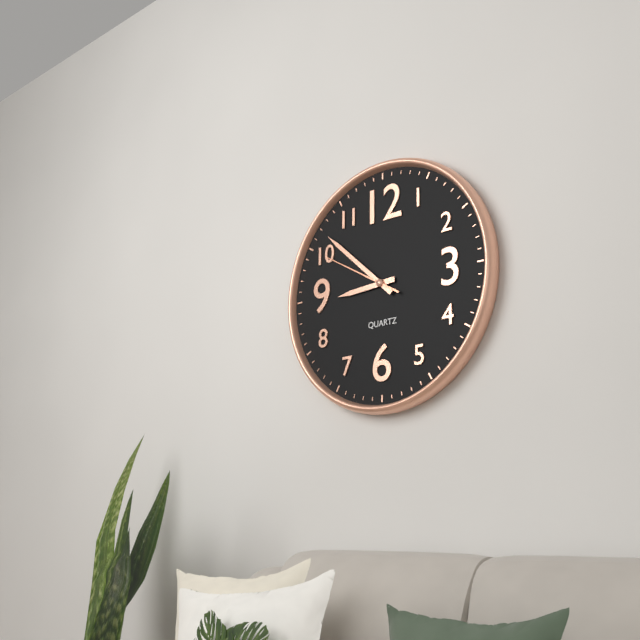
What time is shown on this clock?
8:52:50
